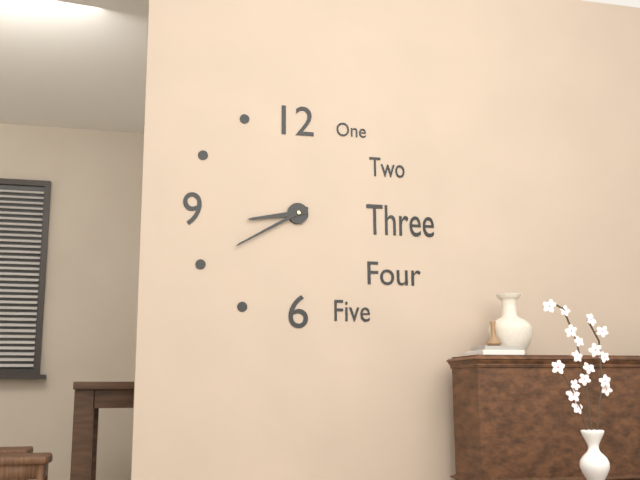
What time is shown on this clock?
8:40
